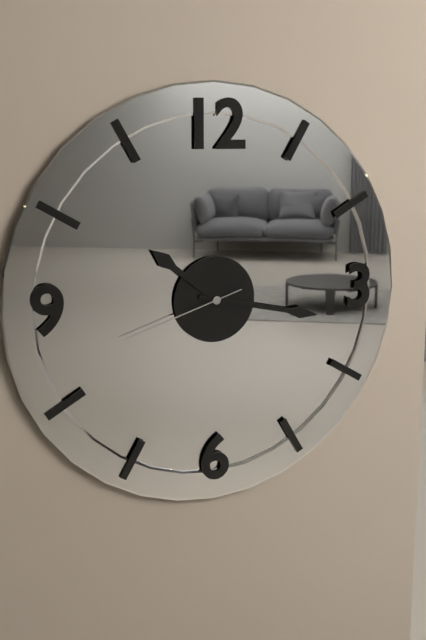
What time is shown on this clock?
10:17:42
